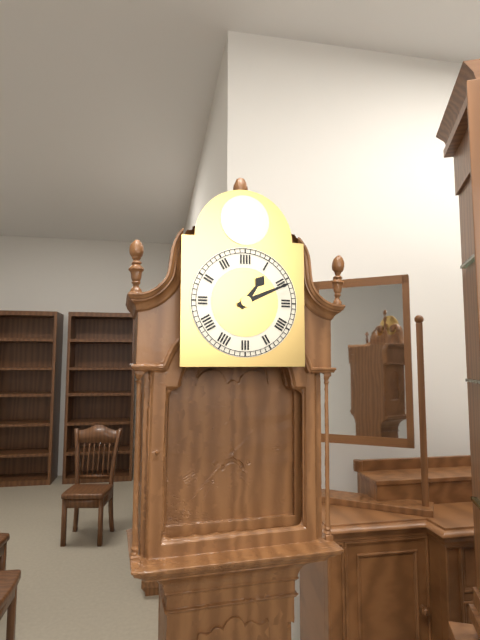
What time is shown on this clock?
1:11
